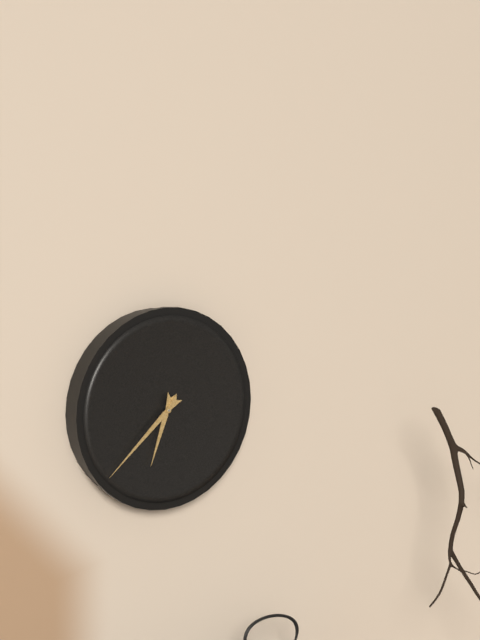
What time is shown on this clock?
6:38
